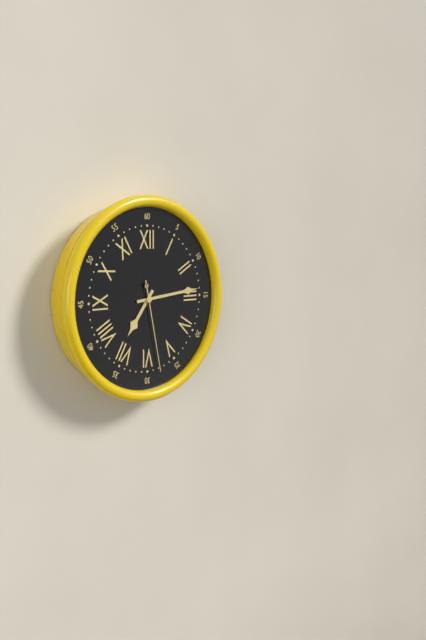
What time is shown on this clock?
7:14:28
